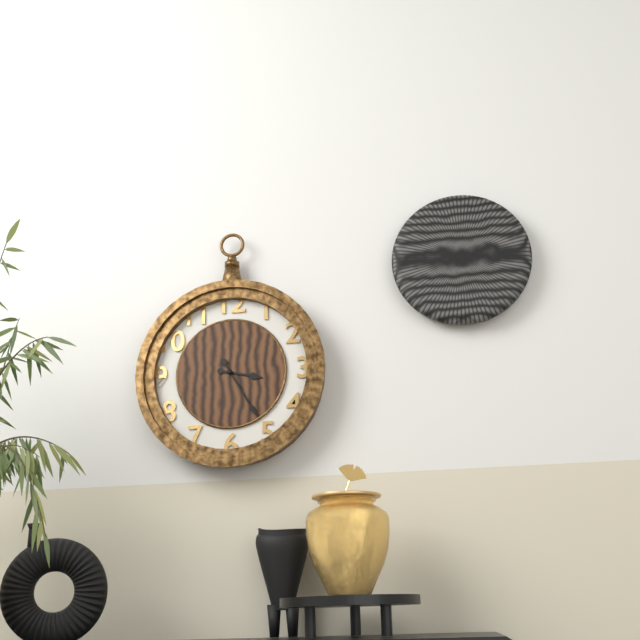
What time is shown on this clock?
3:25
